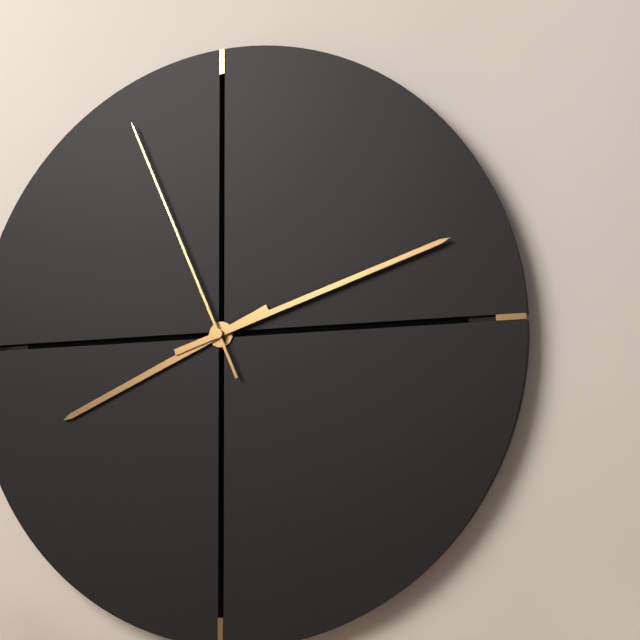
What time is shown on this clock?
8:12:56
